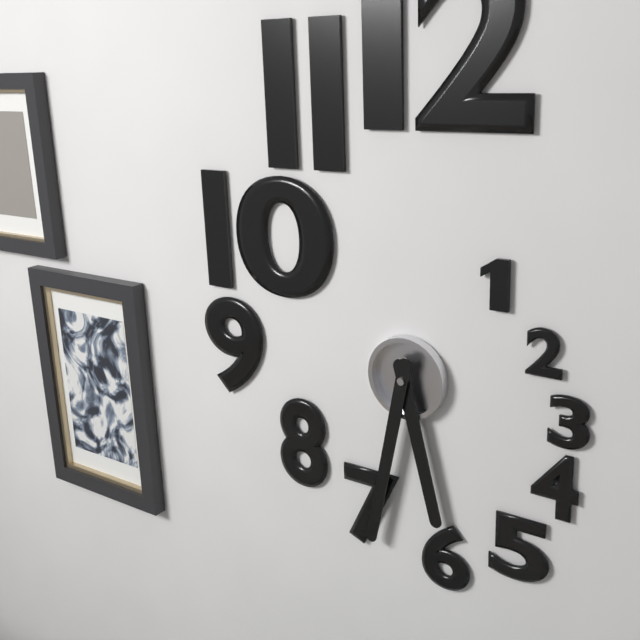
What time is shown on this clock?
5:32
